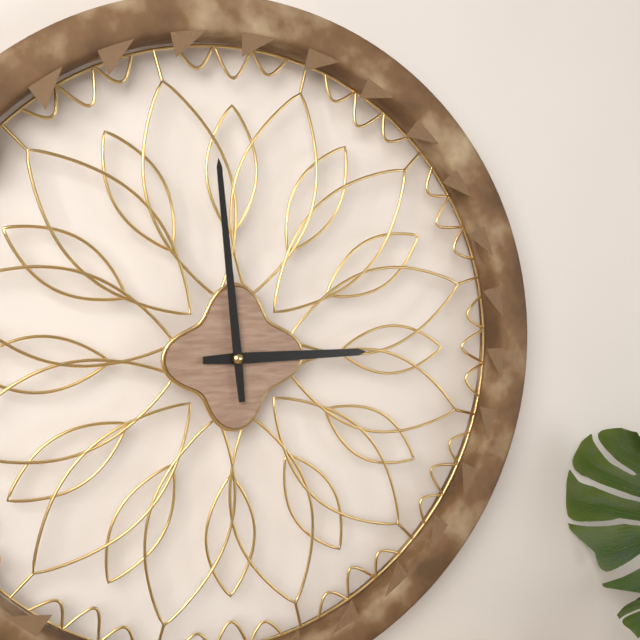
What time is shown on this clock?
2:59
